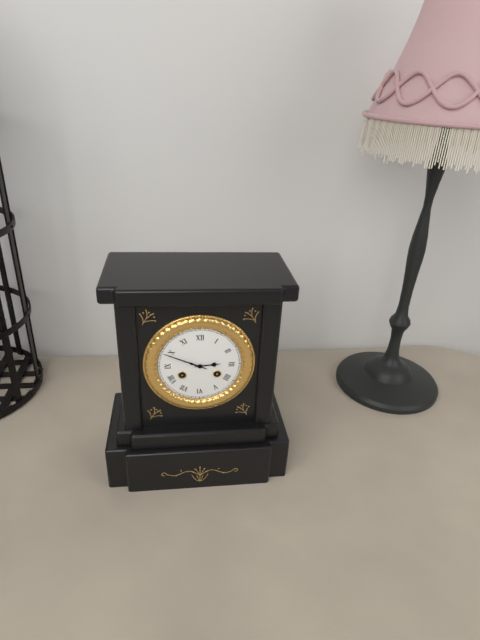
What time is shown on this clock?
2:49
